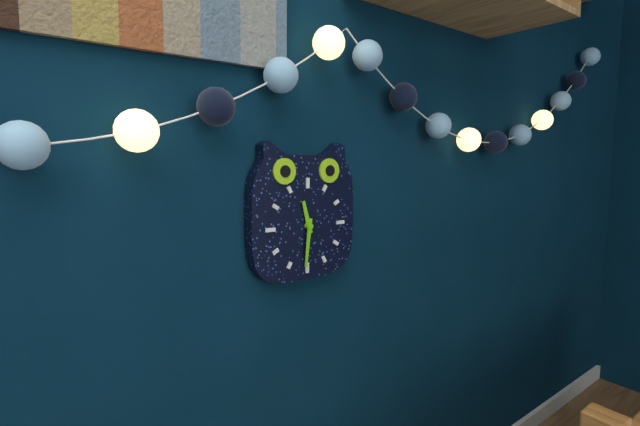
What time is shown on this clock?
11:31
